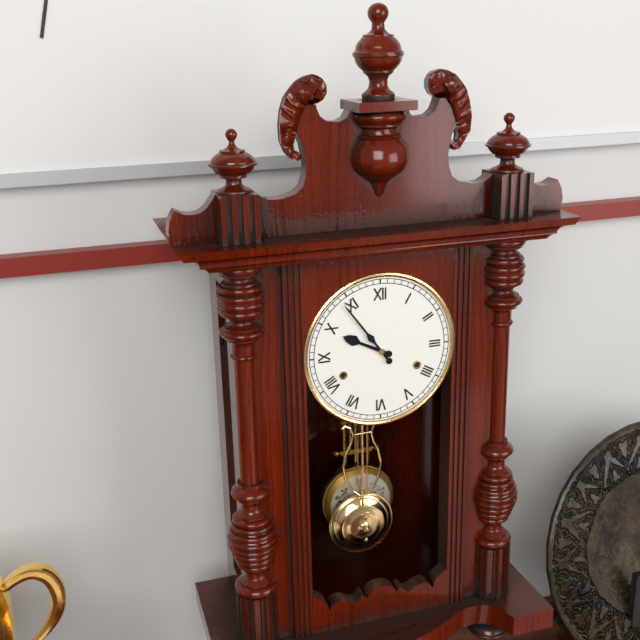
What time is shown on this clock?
9:54
